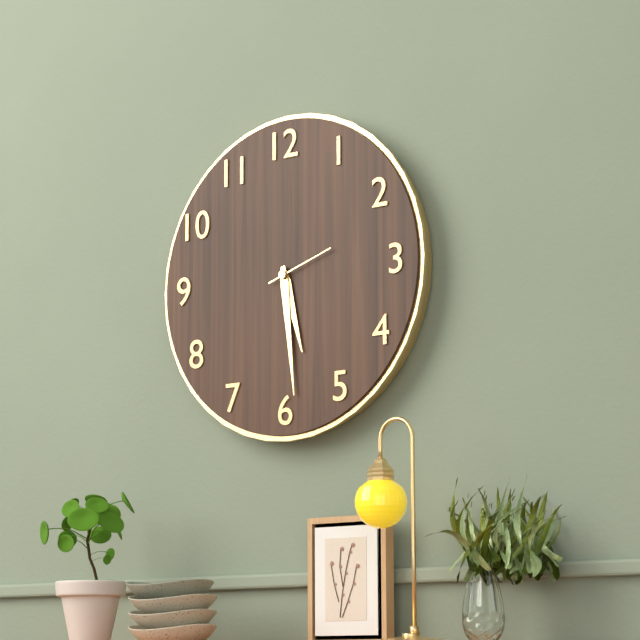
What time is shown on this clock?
5:29:12
